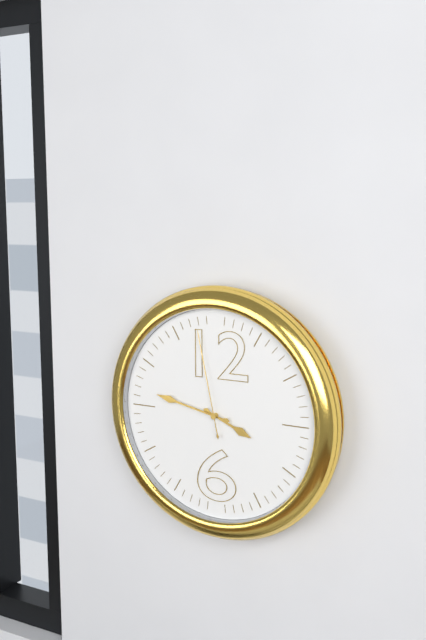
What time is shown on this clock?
3:47:58
